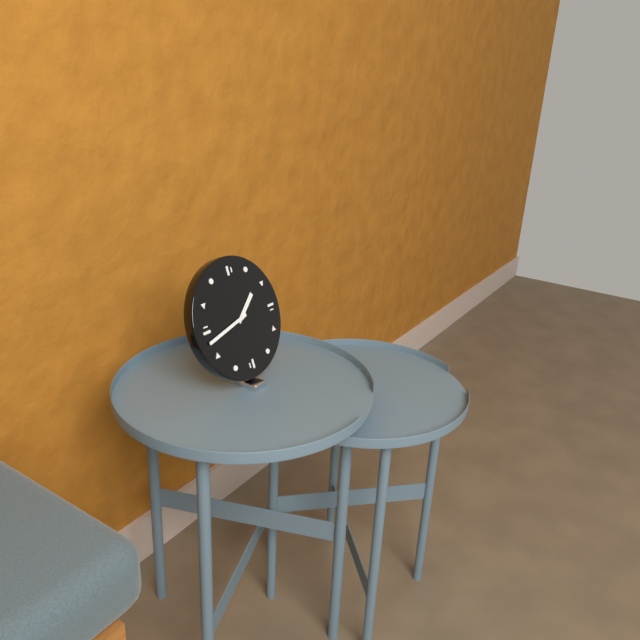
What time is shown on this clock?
1:43
